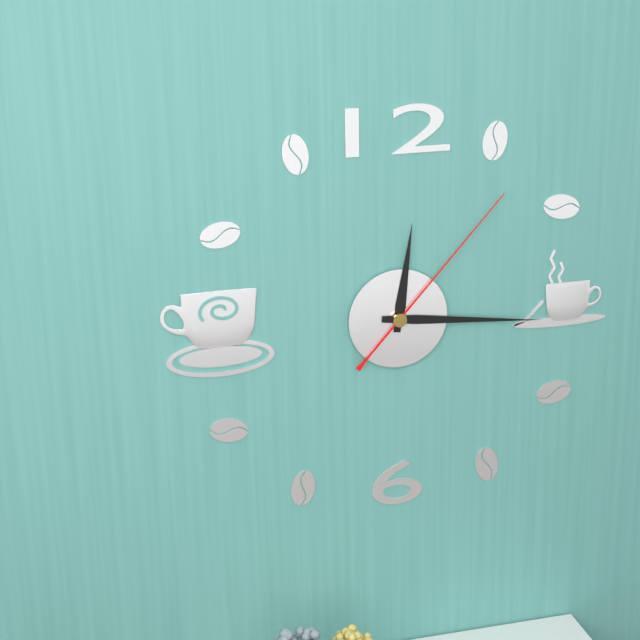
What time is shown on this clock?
12:16:07
